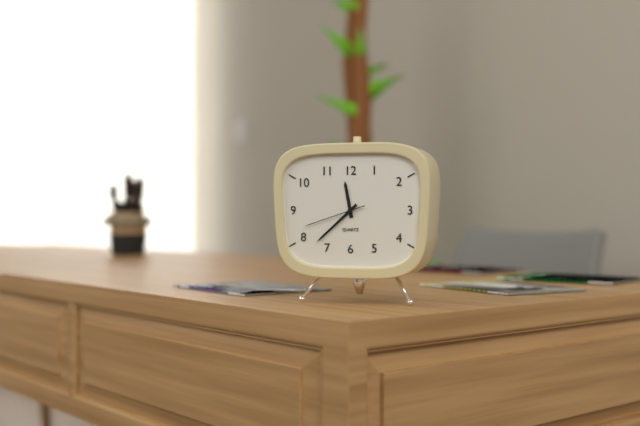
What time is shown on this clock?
11:38:42
